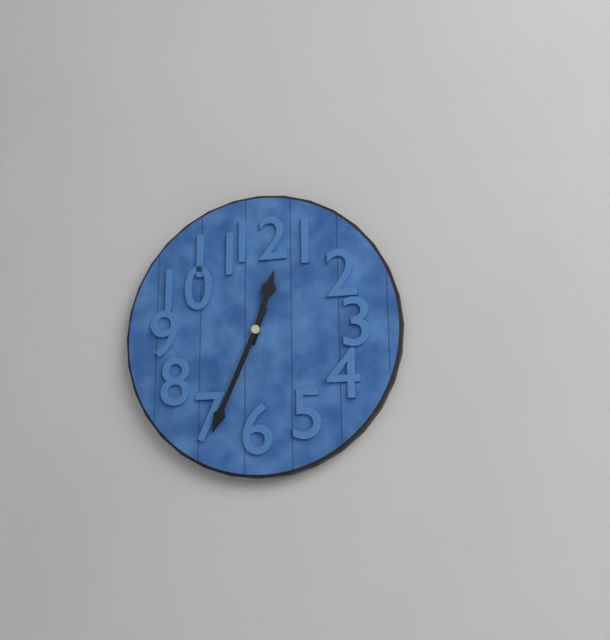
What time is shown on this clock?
12:34
